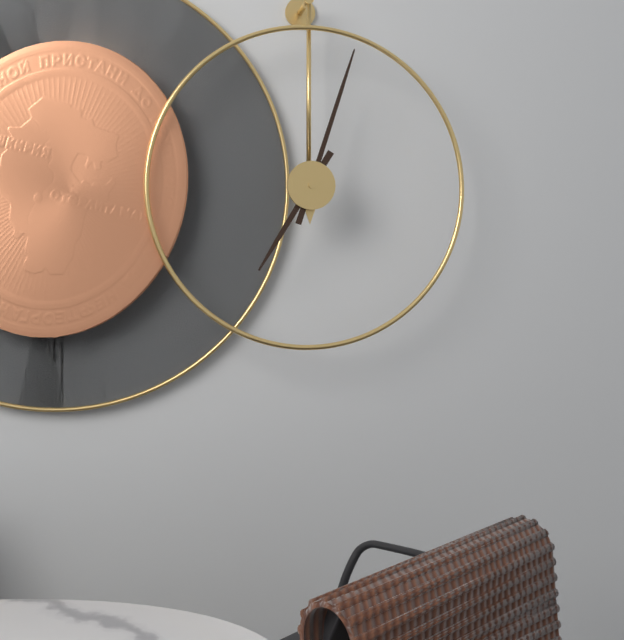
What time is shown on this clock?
7:03
